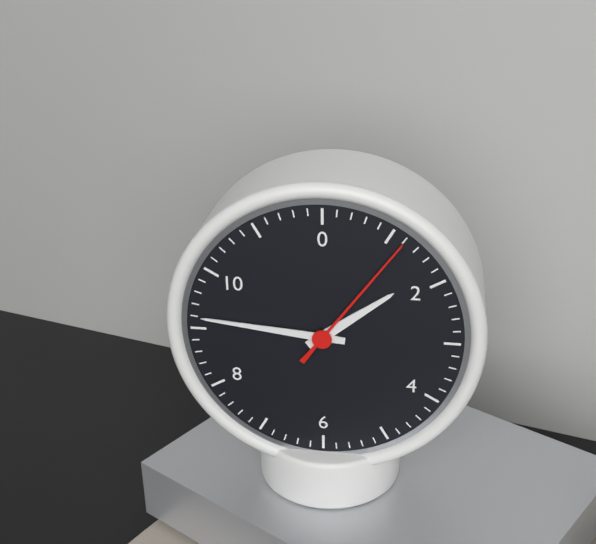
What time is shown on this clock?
1:46:06
